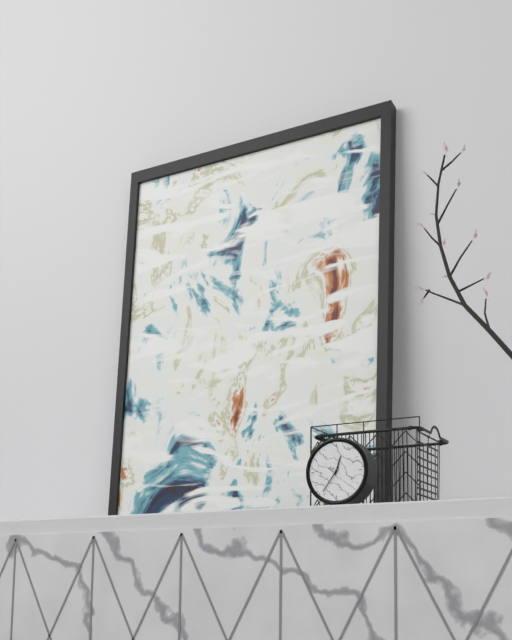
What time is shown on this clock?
12:36
